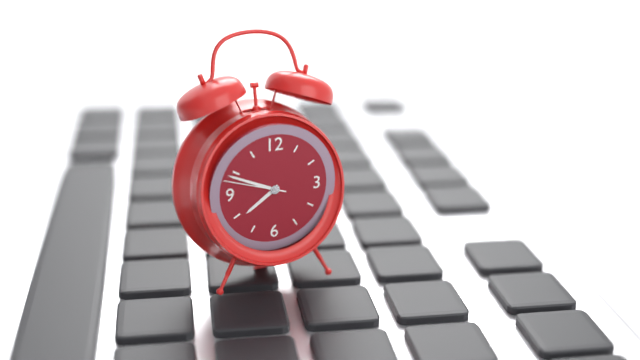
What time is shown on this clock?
7:49:48
